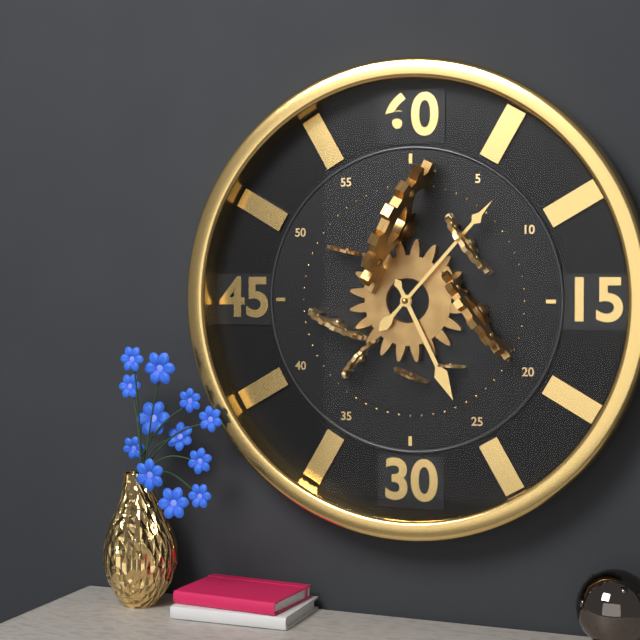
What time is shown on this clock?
5:07
